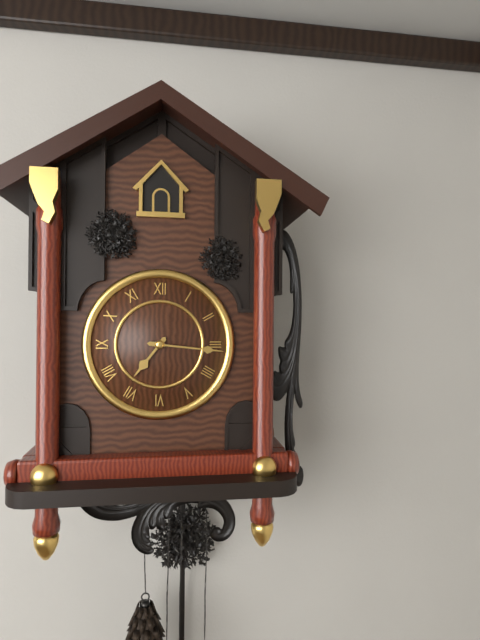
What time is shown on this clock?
7:16
